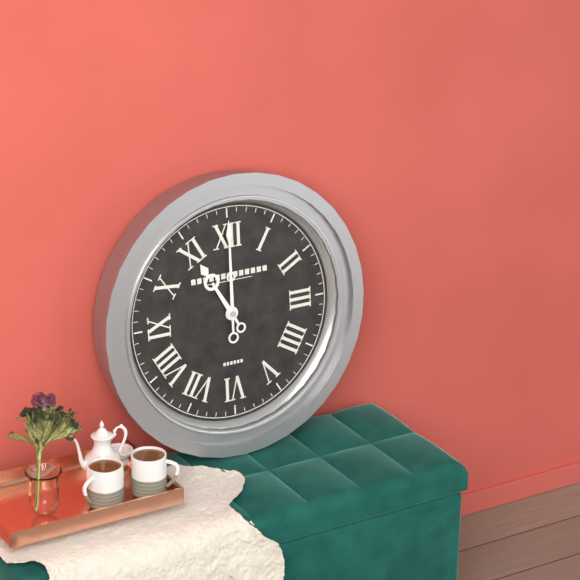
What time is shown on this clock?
11:00
